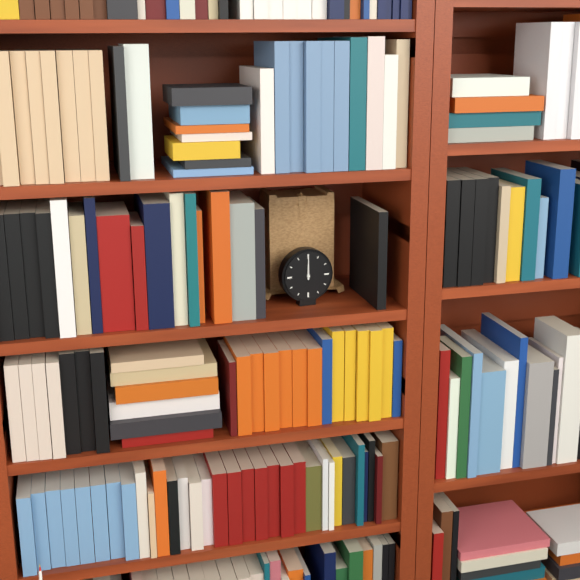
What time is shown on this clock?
12:00
